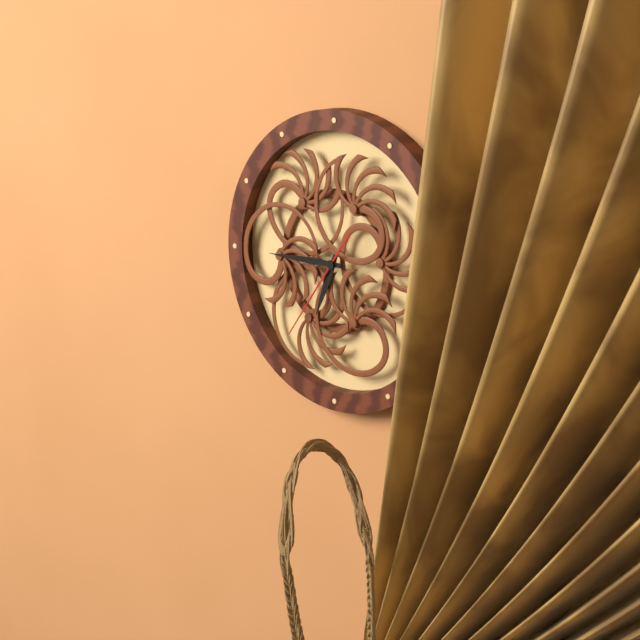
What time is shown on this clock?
6:45:36
